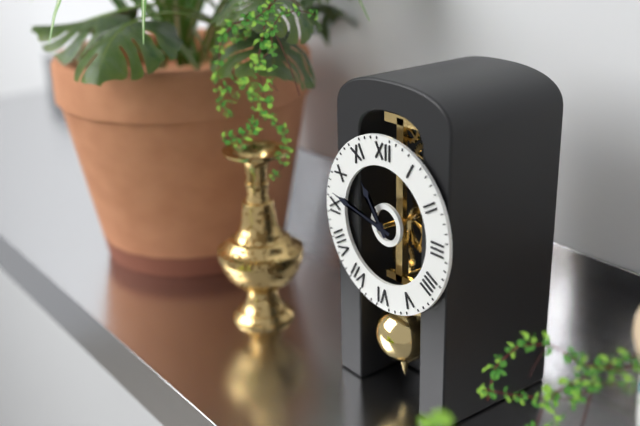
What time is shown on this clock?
10:47
